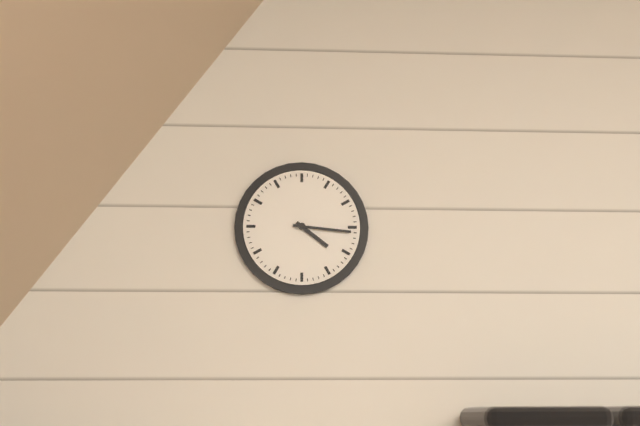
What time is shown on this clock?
4:16
